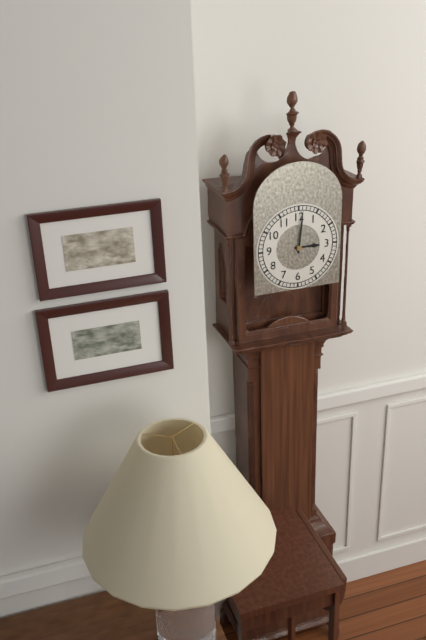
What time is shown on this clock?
3:01
